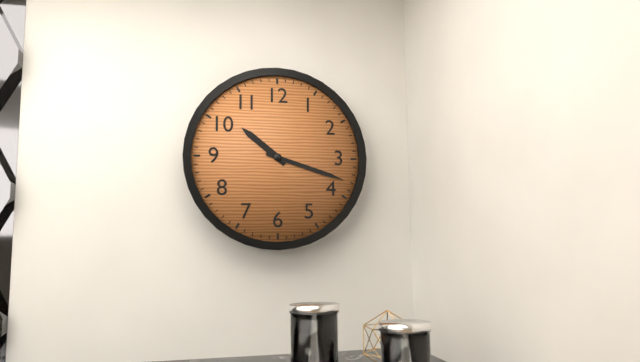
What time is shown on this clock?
10:18
